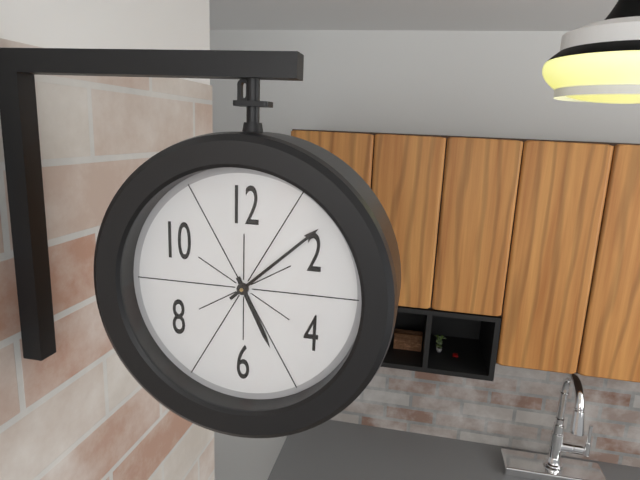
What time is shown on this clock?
5:08
